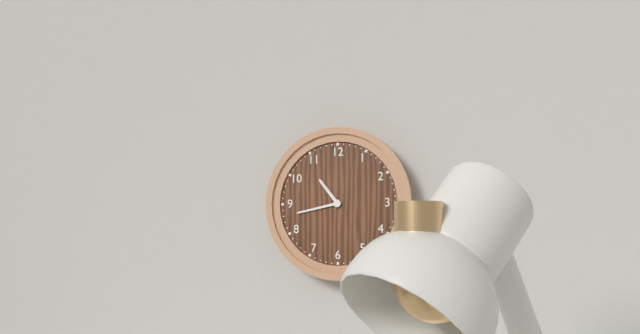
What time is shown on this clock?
10:43
